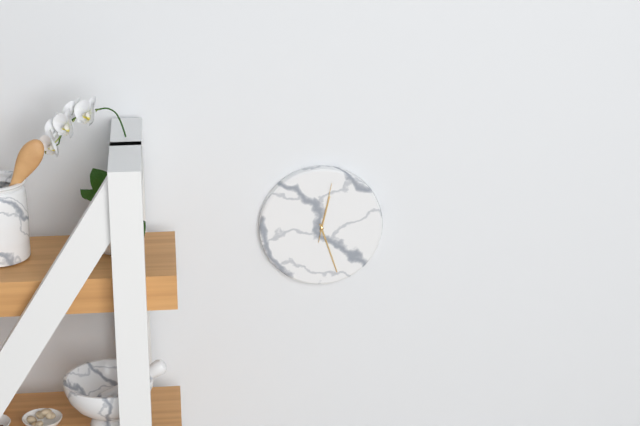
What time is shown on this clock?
12:27:02
